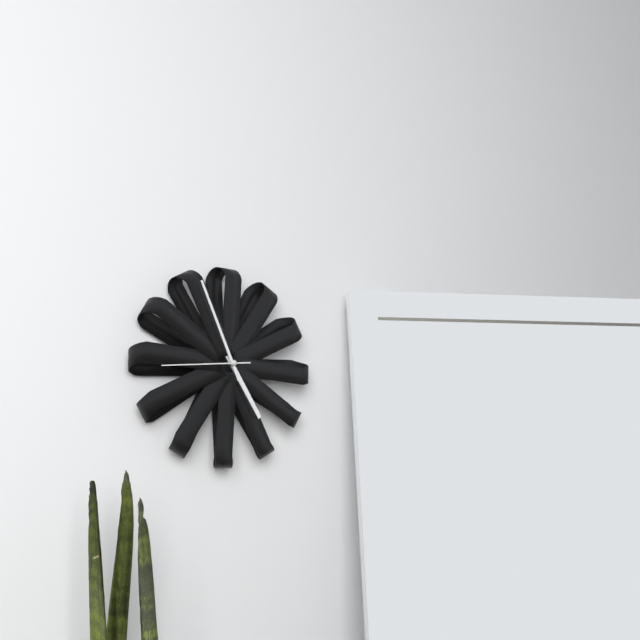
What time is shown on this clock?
4:56:44
